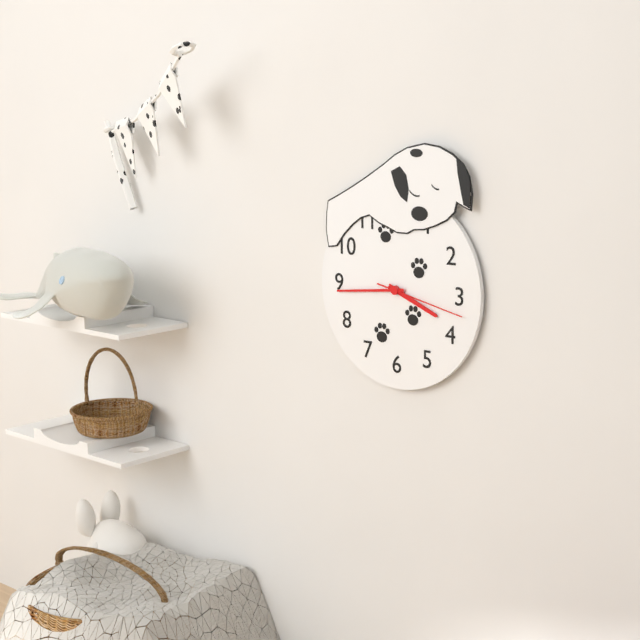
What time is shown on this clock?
3:44:17
